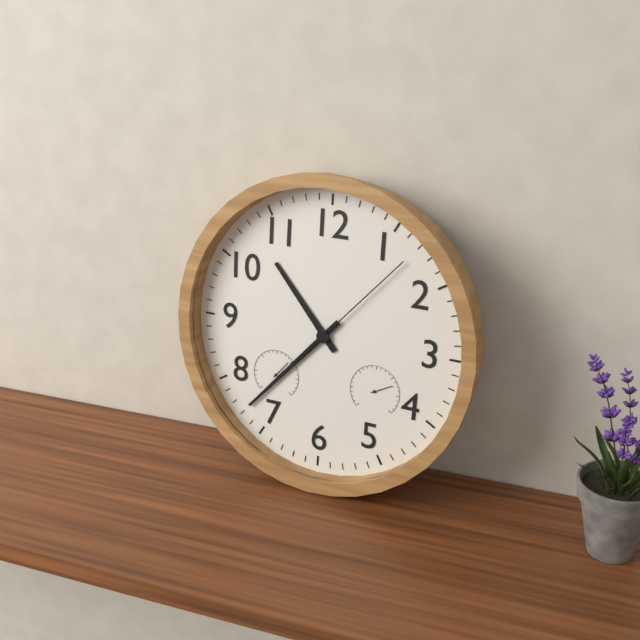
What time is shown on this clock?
10:37:07
